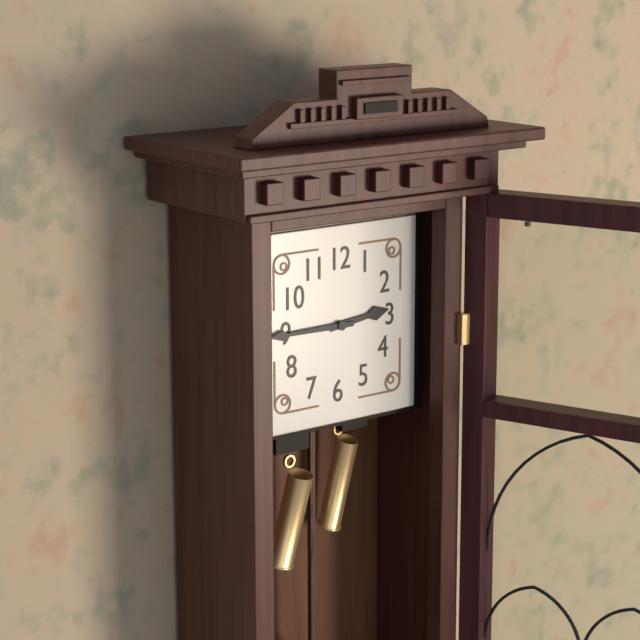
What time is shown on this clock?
2:45
